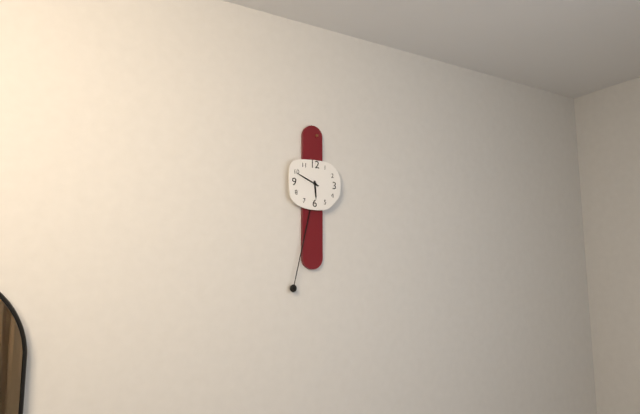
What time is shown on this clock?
5:49
